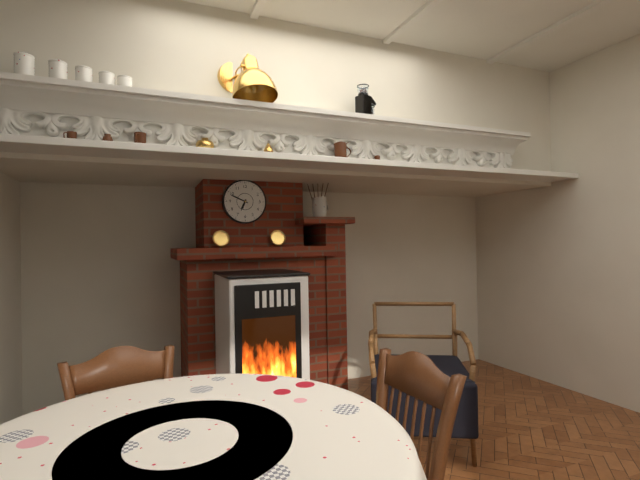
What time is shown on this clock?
6:49
